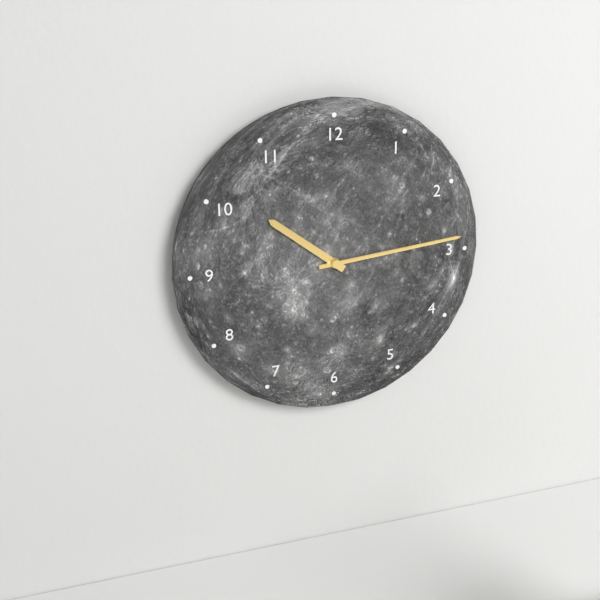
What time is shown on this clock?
10:14
